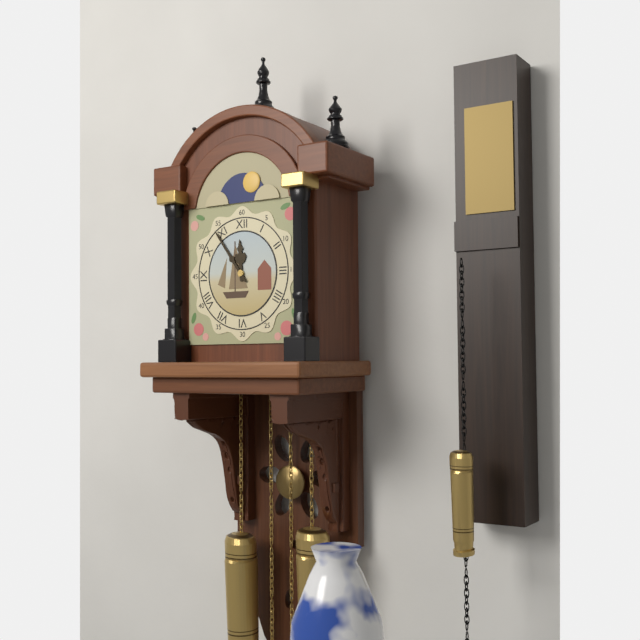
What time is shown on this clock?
11:54
